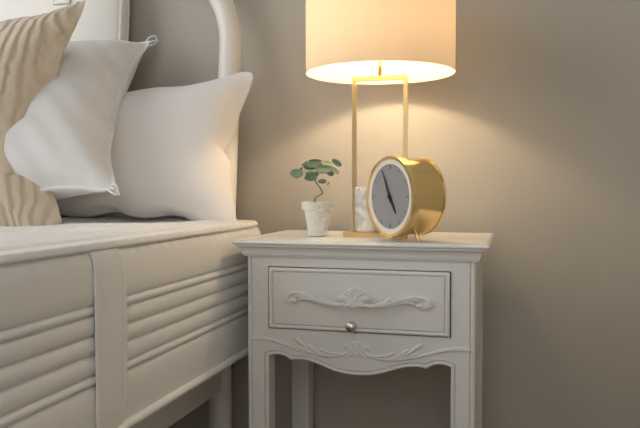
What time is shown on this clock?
4:56
